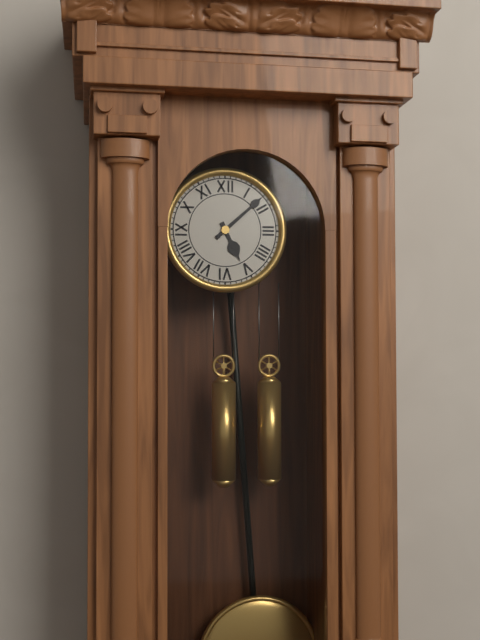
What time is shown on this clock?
5:08
